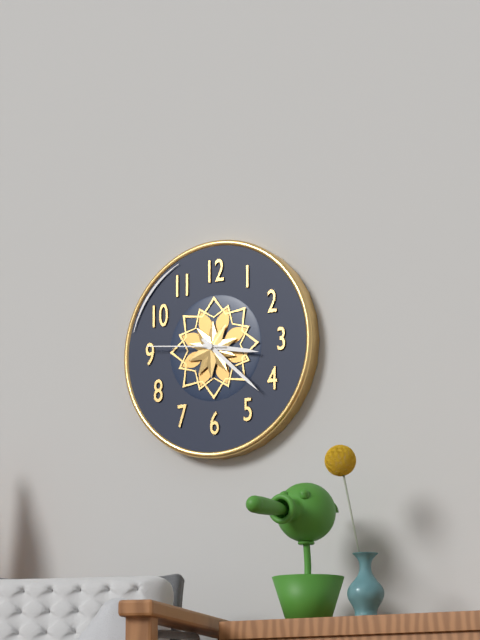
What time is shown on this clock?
3:22:46
